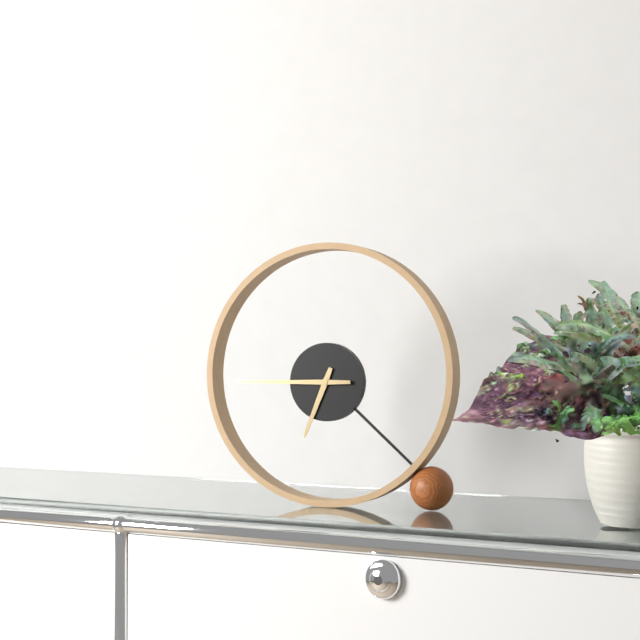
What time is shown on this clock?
6:45
